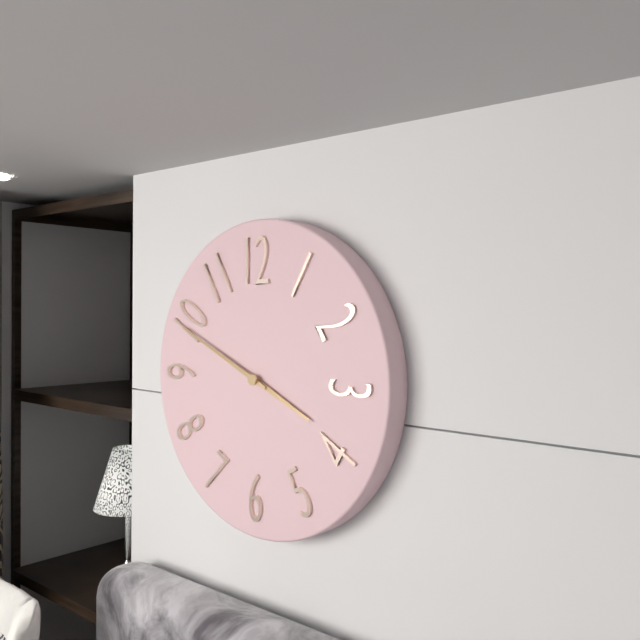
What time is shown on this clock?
3:49
